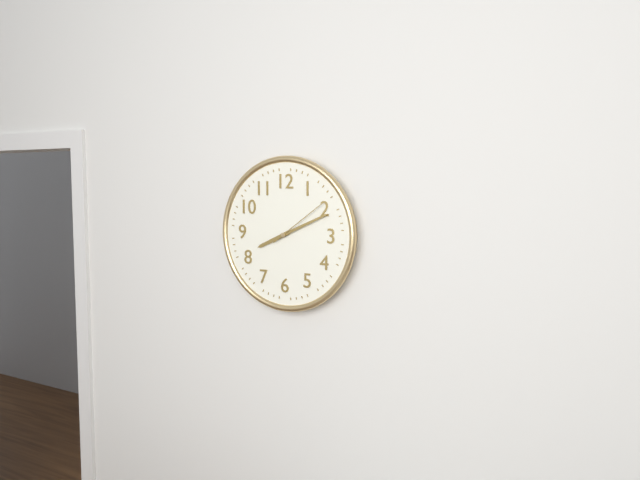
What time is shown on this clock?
8:11:09
